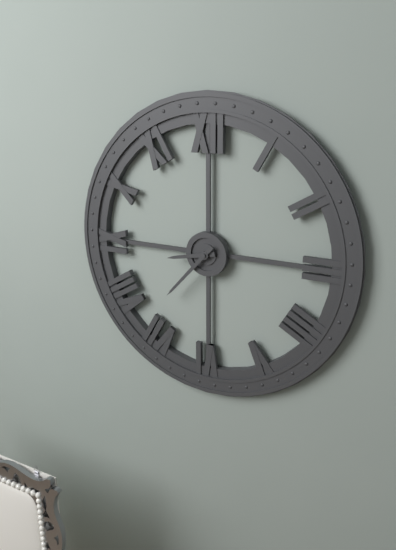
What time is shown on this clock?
8:37
